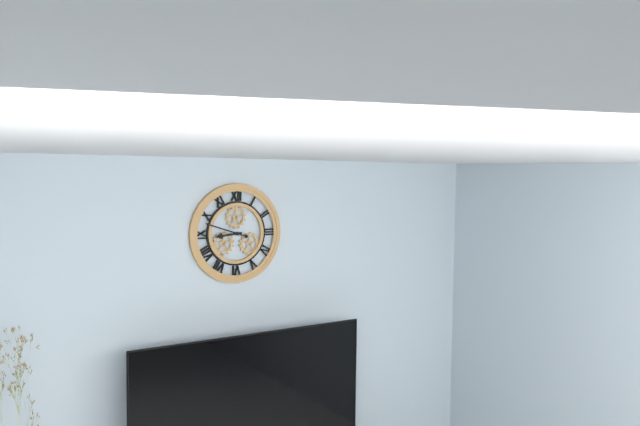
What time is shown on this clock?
8:48
